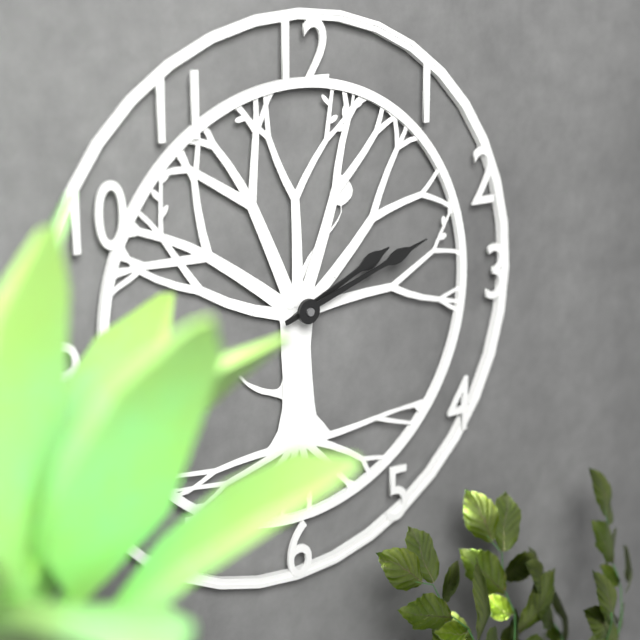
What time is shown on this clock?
2:12
